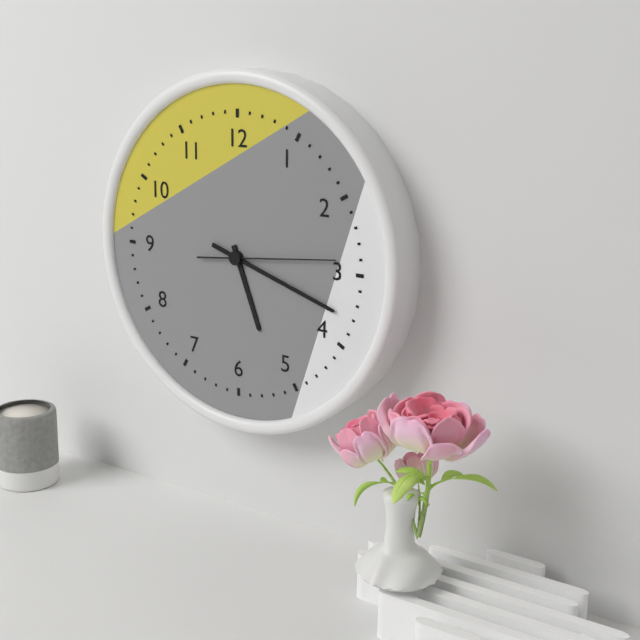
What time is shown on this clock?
5:18:14
